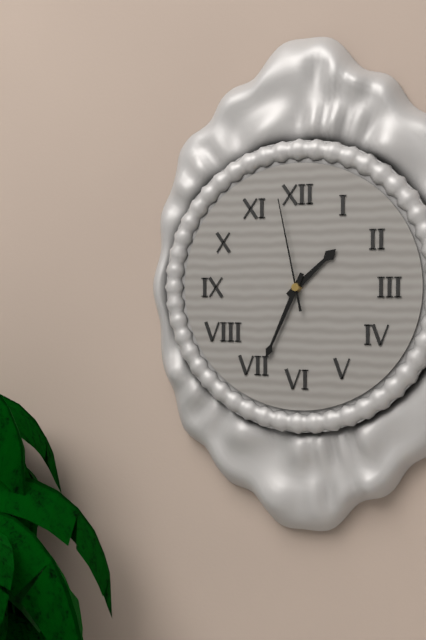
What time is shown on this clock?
1:34:58
